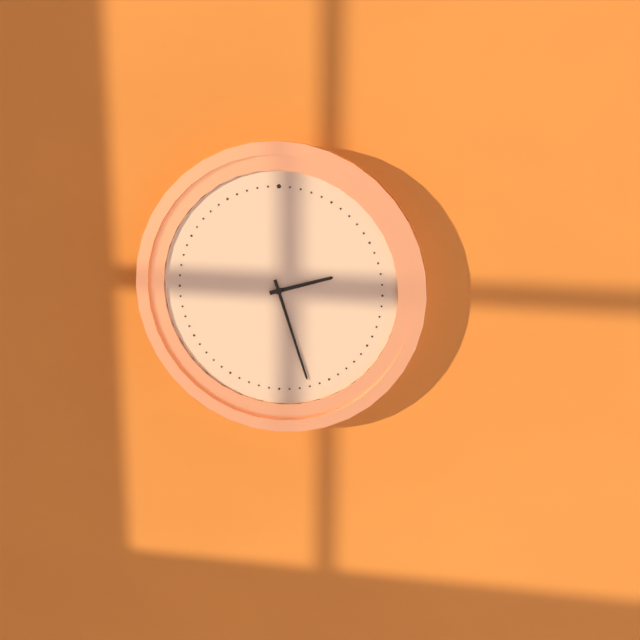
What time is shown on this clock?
2:27
